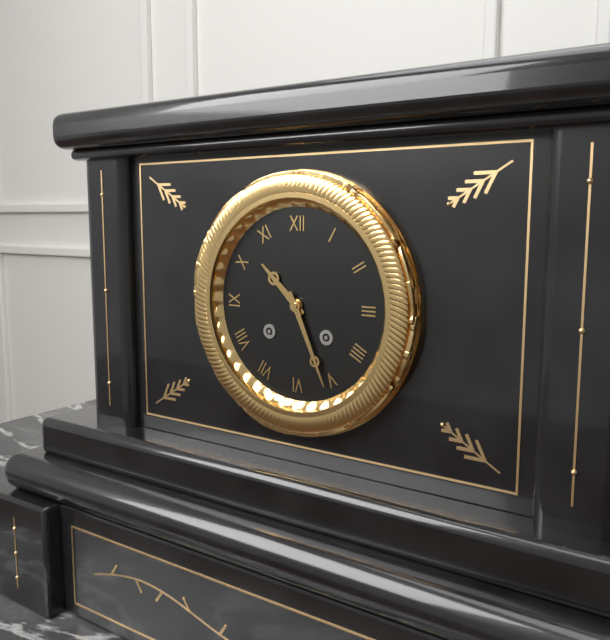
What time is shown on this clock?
10:26
